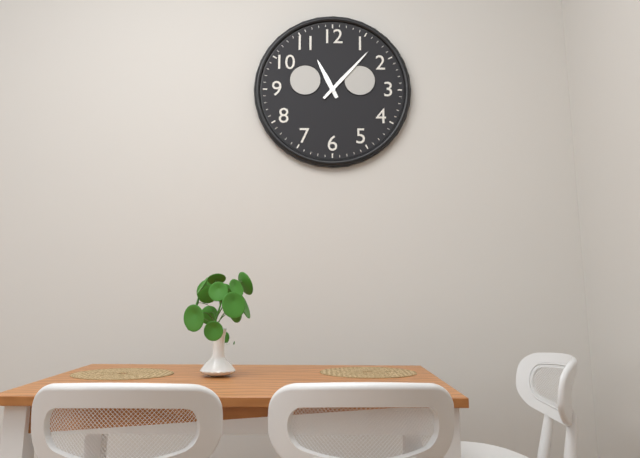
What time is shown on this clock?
11:07
